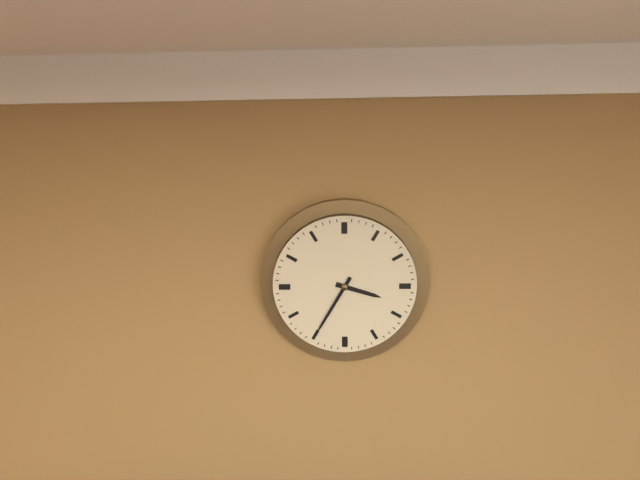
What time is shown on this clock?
3:35
